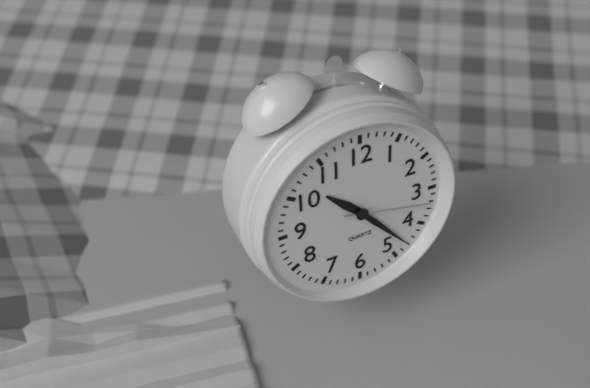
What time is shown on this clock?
10:23:17
